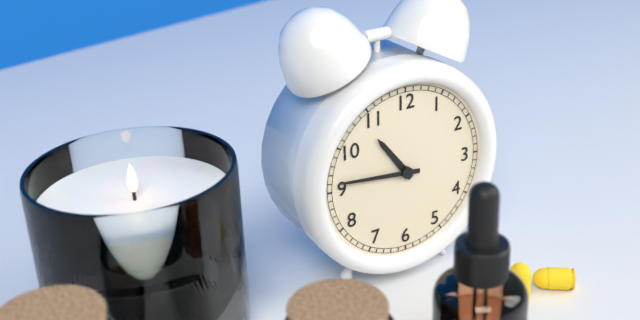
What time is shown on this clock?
10:46
